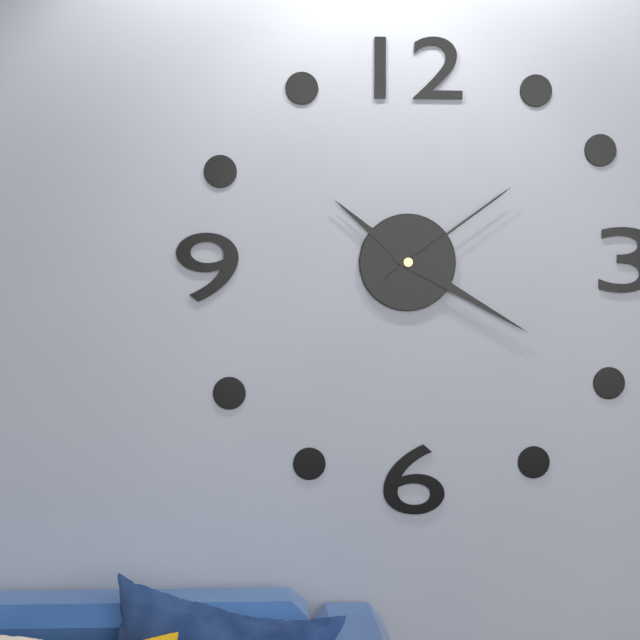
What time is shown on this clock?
10:20:09
